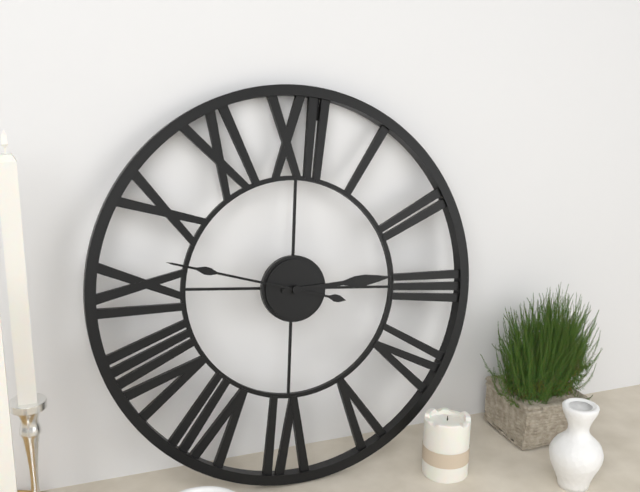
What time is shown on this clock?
2:47
